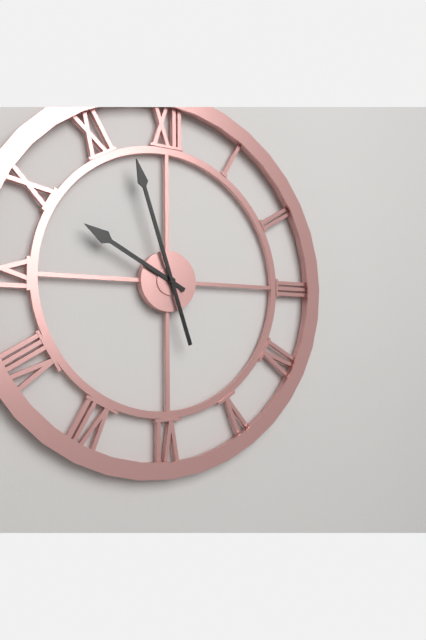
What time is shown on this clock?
9:57
